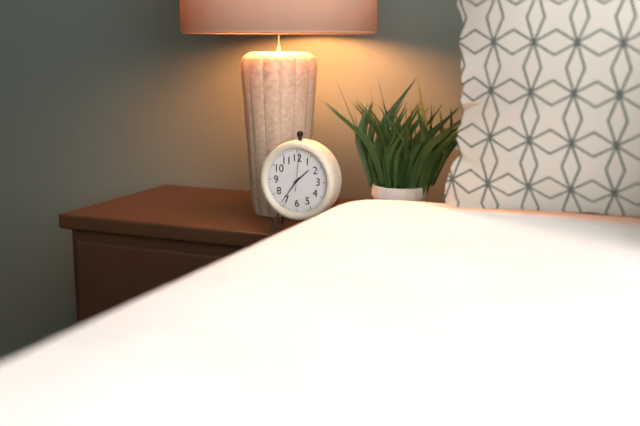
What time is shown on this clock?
1:36
